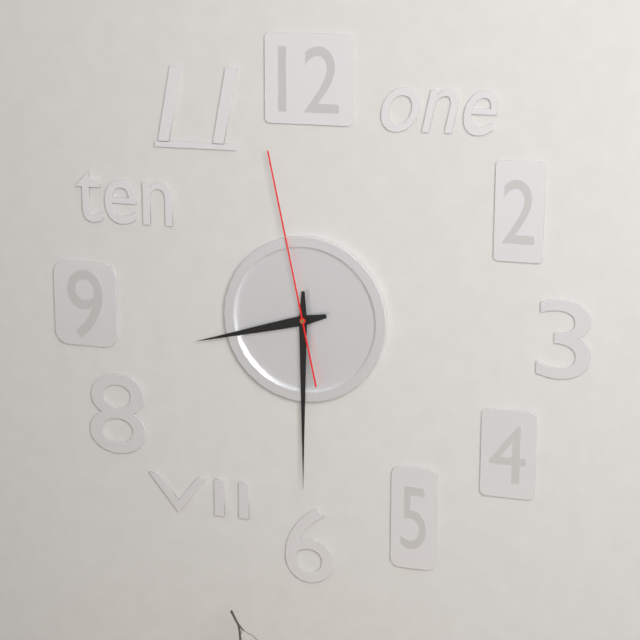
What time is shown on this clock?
8:30:58
